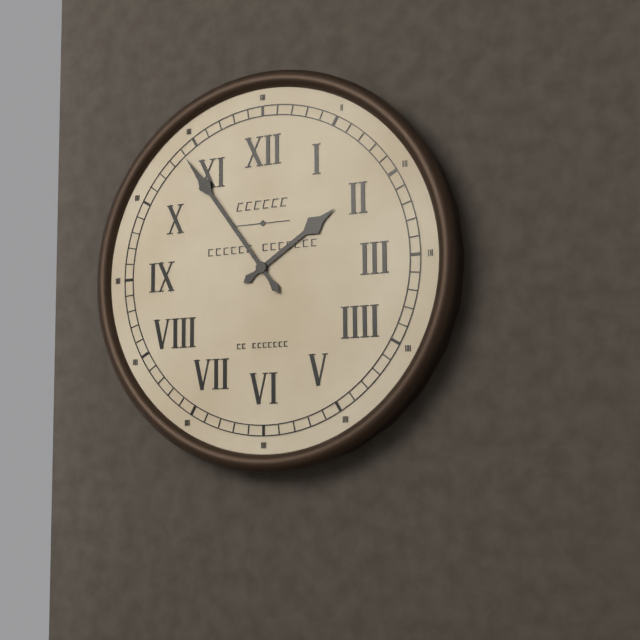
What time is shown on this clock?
1:54
